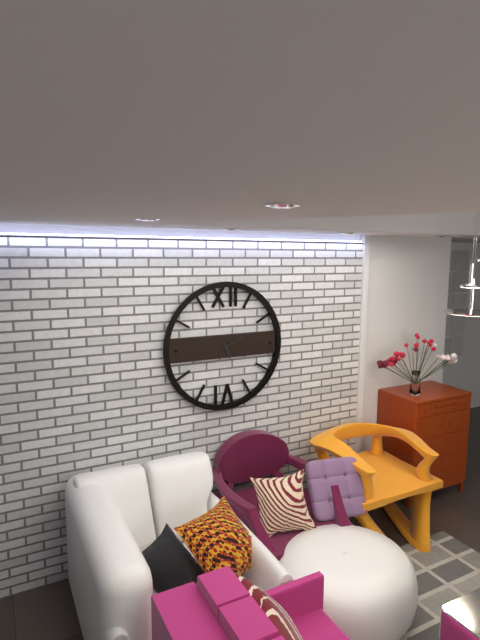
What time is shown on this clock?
5:11
